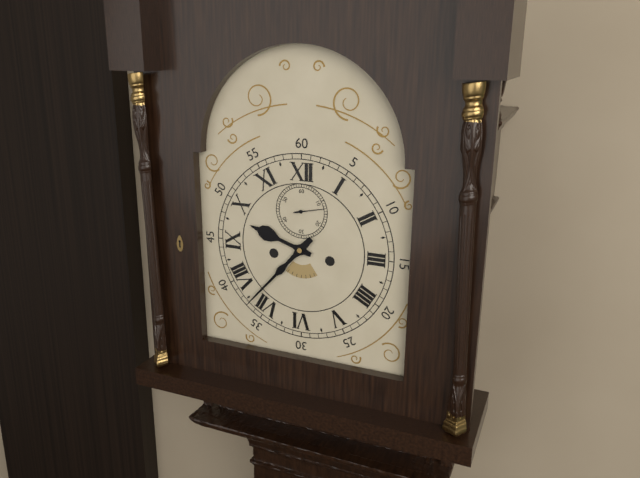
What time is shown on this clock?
9:37
